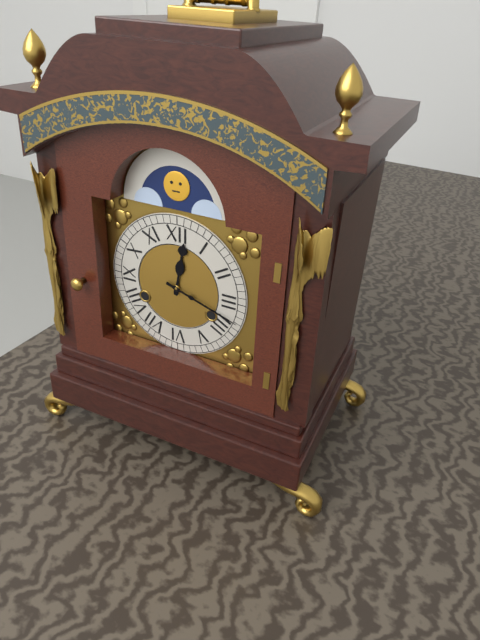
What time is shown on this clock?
12:18
